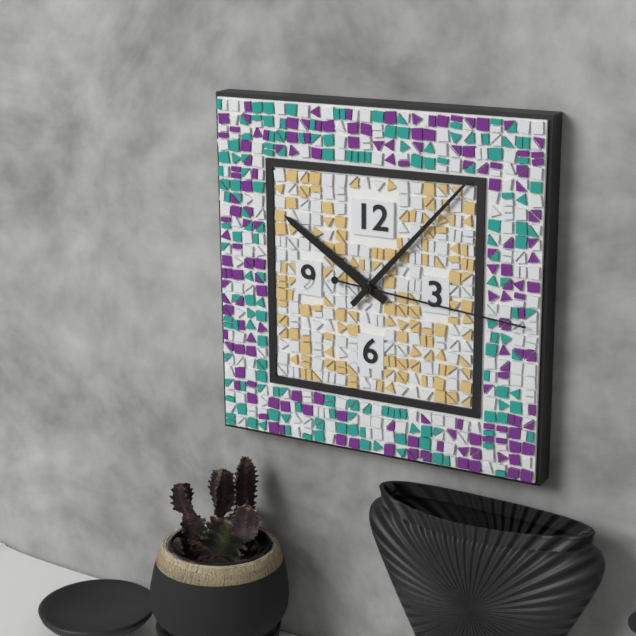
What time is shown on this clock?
10:07:16
